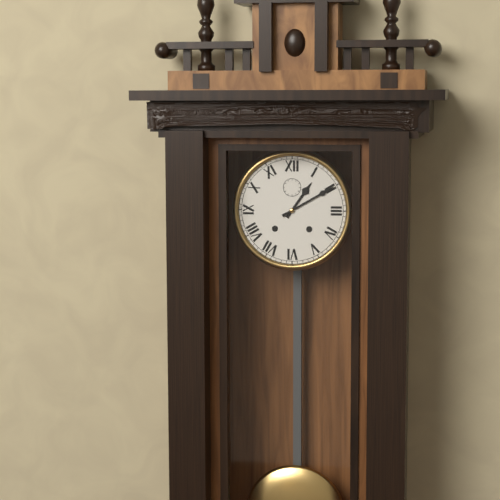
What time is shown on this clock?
1:10
